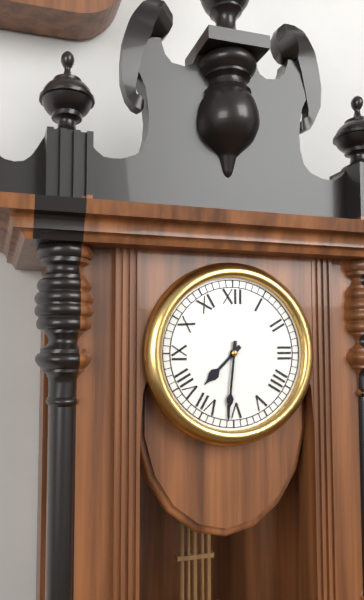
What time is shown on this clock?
7:31
